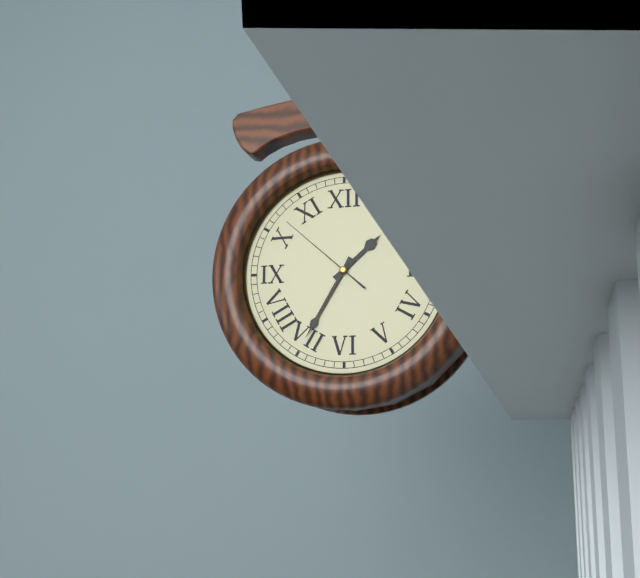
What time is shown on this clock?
1:35:52
